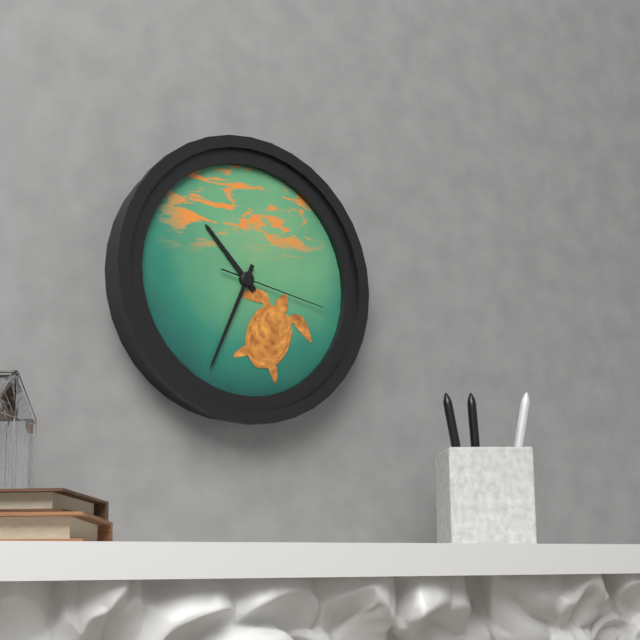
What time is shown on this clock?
10:34:17
